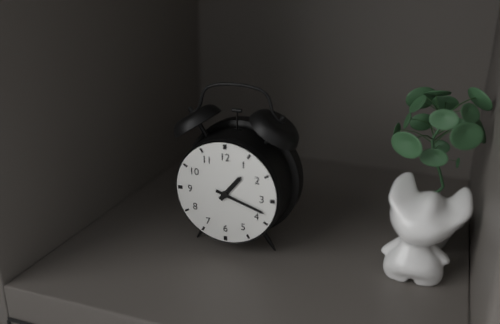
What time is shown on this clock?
1:18
